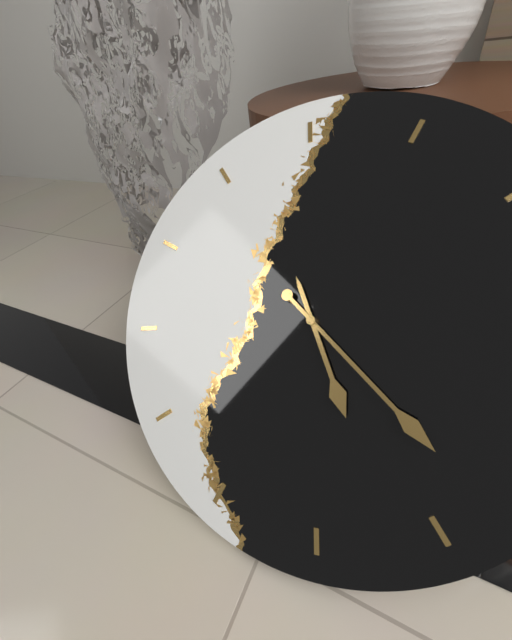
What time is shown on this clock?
5:23
